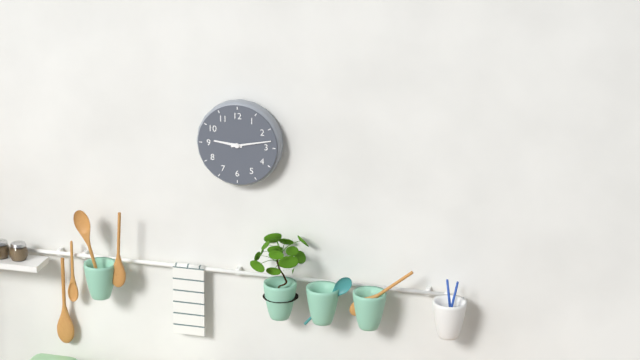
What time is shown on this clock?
9:13
